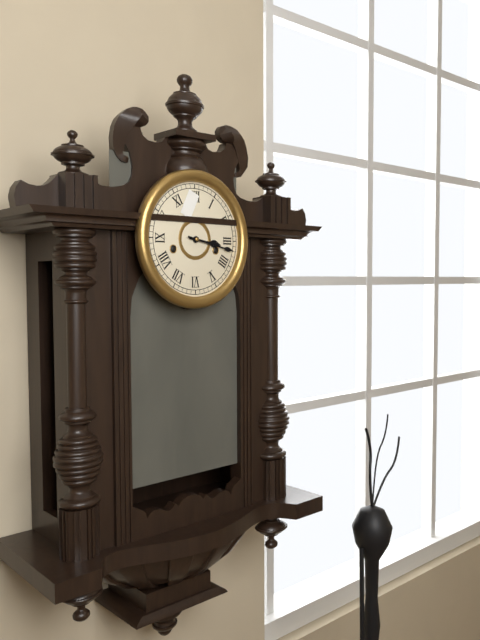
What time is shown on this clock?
3:17
